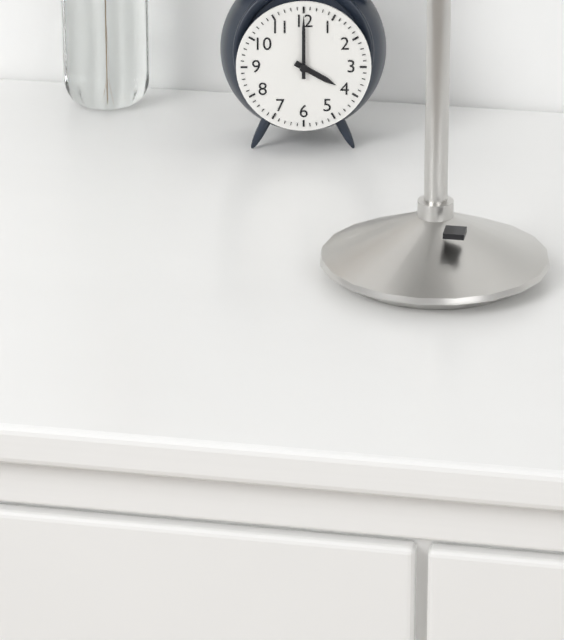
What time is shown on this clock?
4:00
